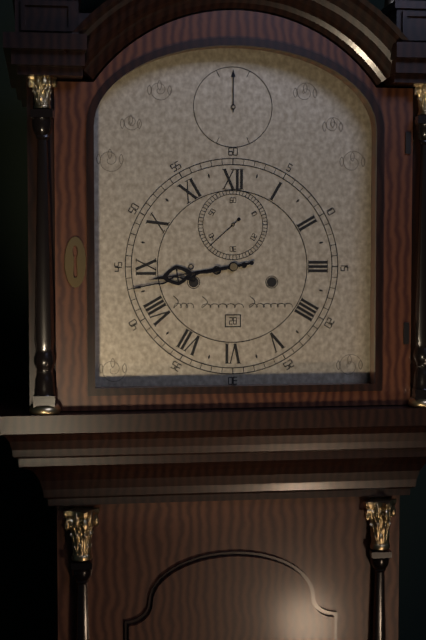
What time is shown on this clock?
8:43
